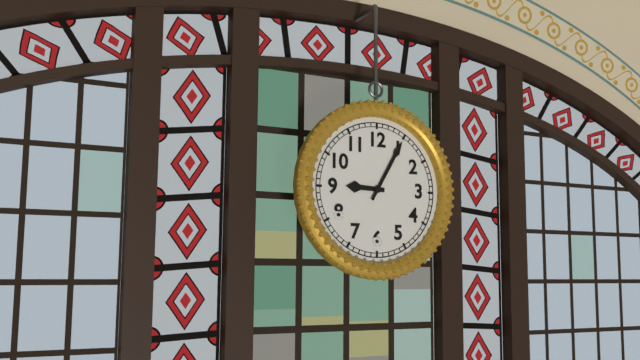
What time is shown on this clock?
9:05
